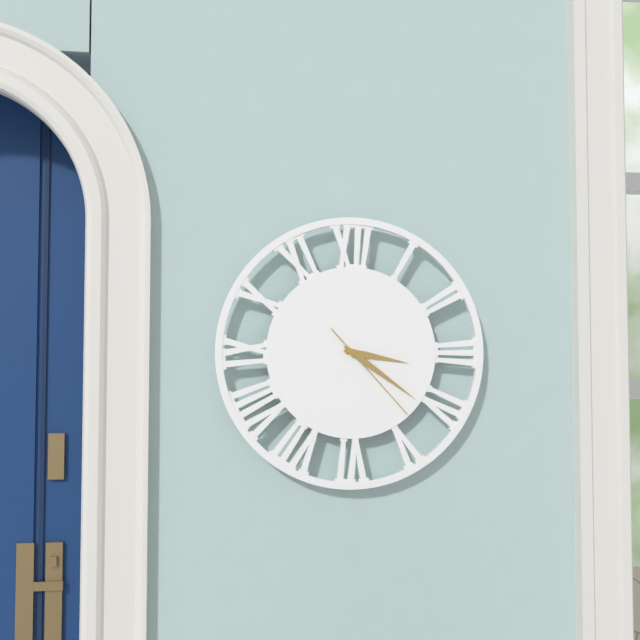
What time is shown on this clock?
3:21:23
